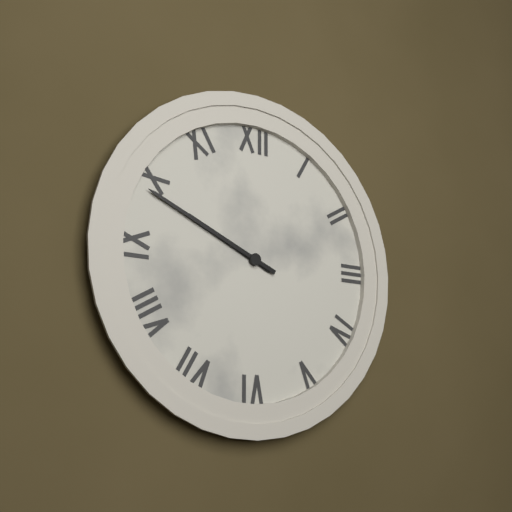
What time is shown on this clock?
9:49
